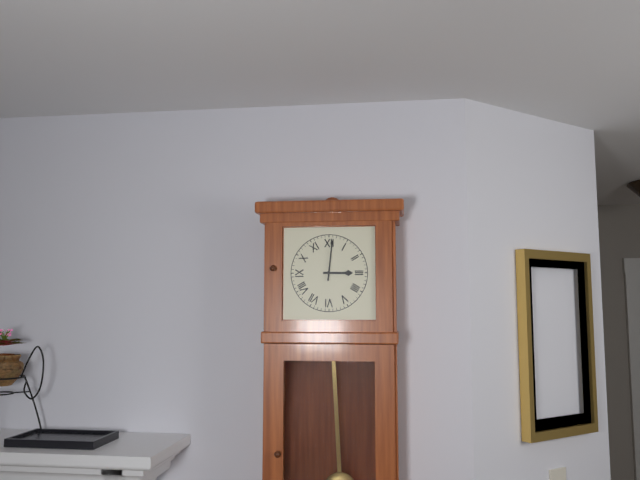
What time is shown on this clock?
3:01
